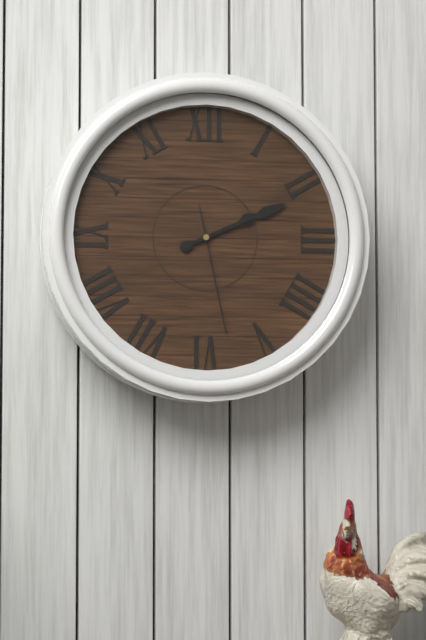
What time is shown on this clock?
2:11:28
